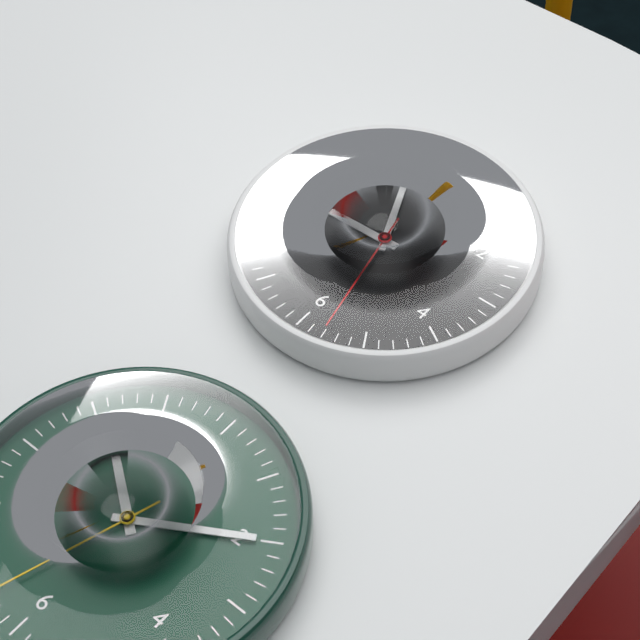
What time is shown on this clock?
8:56:28
